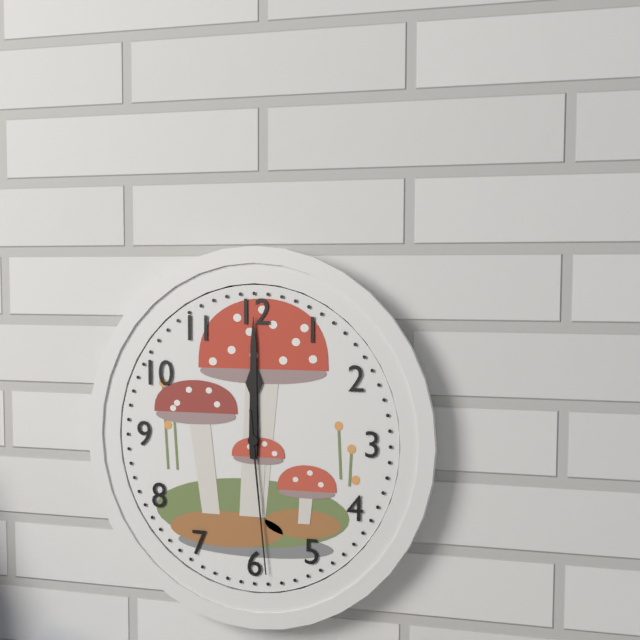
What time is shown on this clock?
12:00:29
